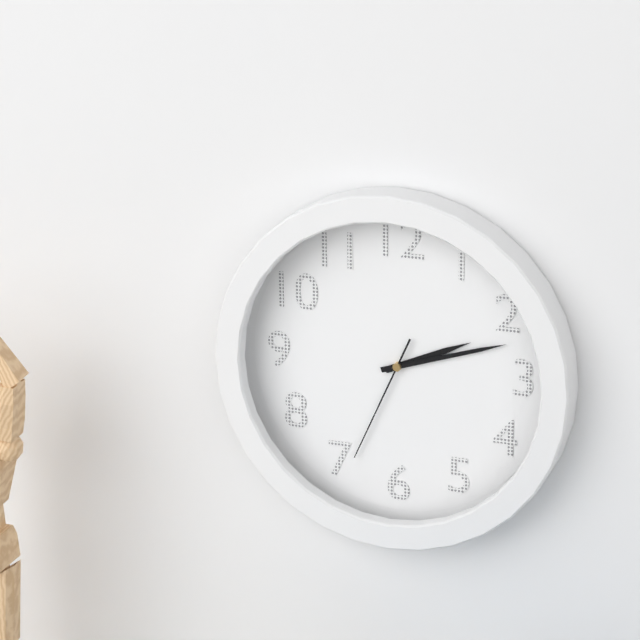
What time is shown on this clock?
2:12:34
